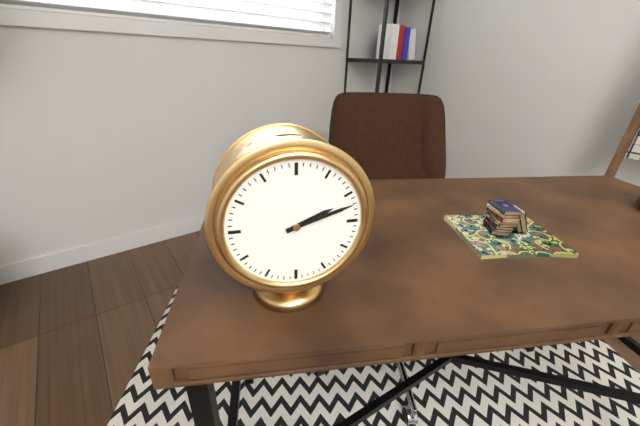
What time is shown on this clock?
2:12
